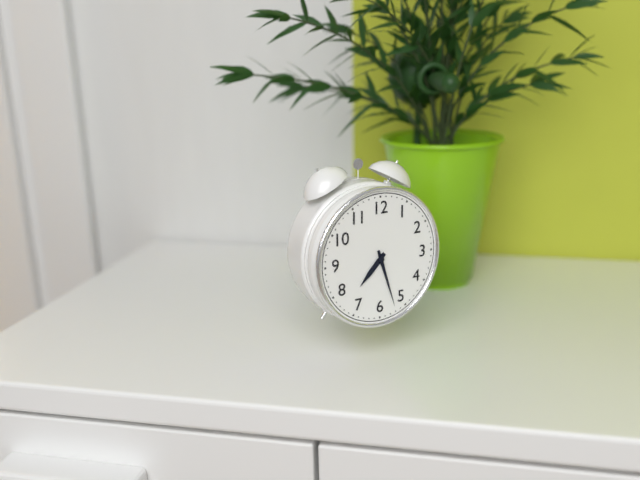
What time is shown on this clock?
7:27
